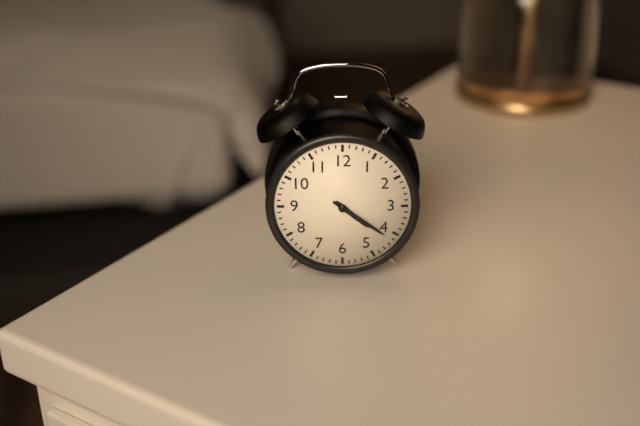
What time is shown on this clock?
4:21
